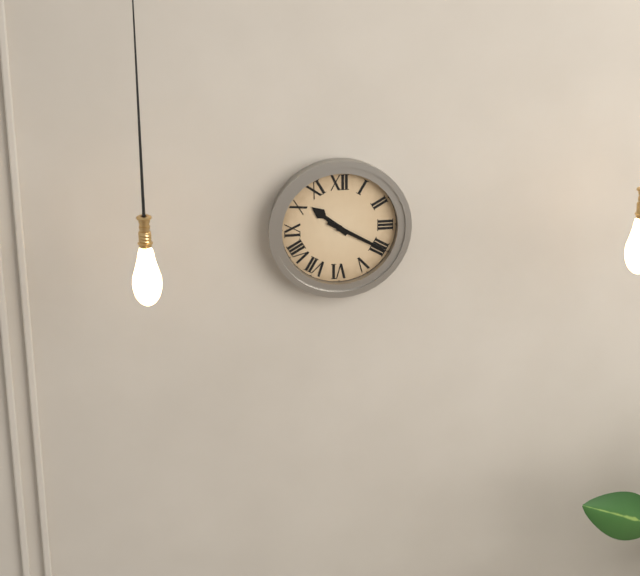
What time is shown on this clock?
10:20
